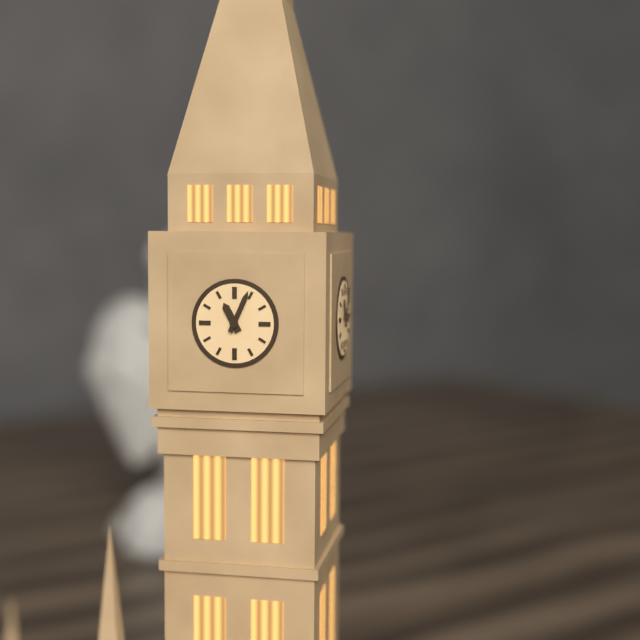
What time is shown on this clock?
11:04
